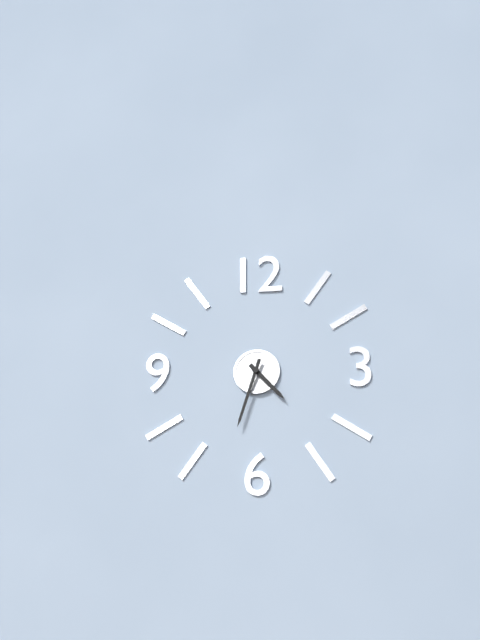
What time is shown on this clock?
4:33
